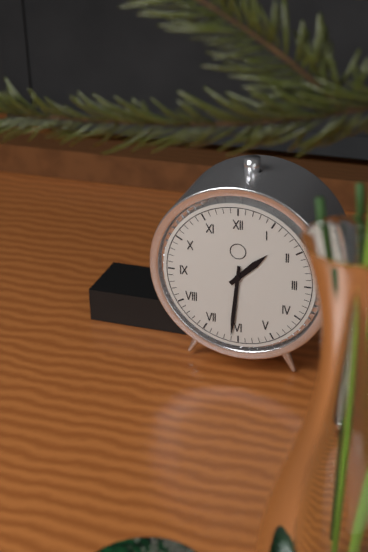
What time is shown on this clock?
1:31
